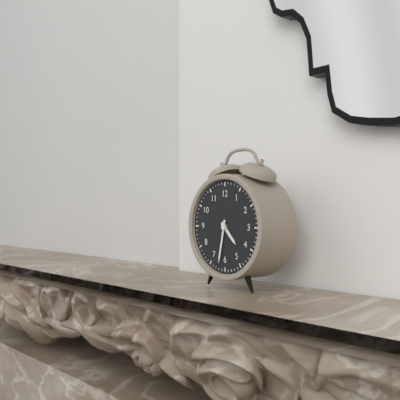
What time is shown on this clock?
4:32
